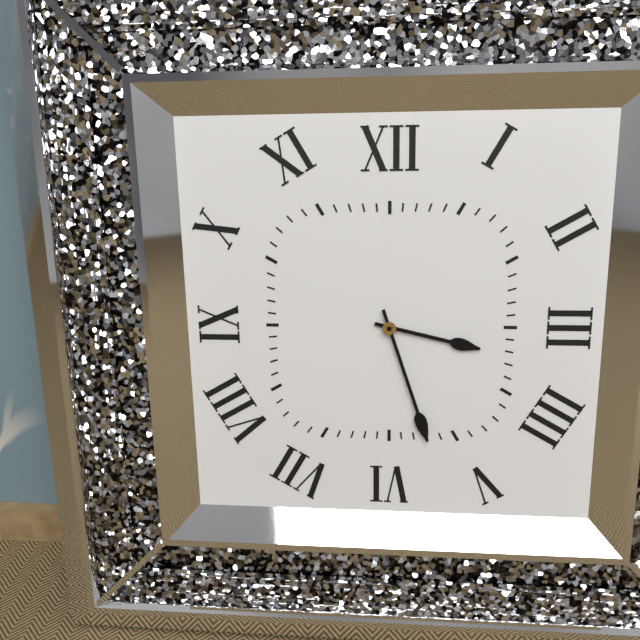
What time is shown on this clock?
3:27
